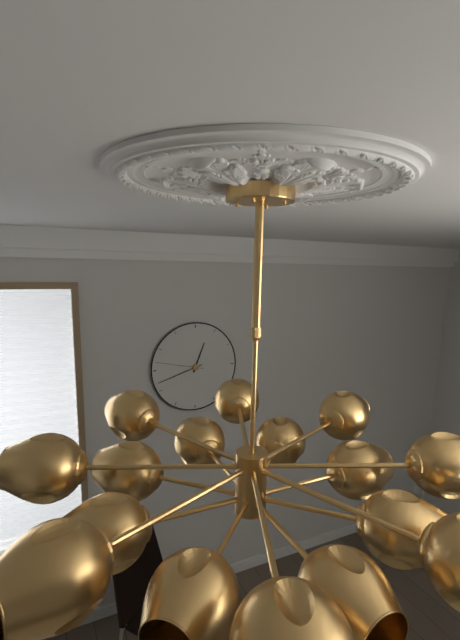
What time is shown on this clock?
12:42:47
